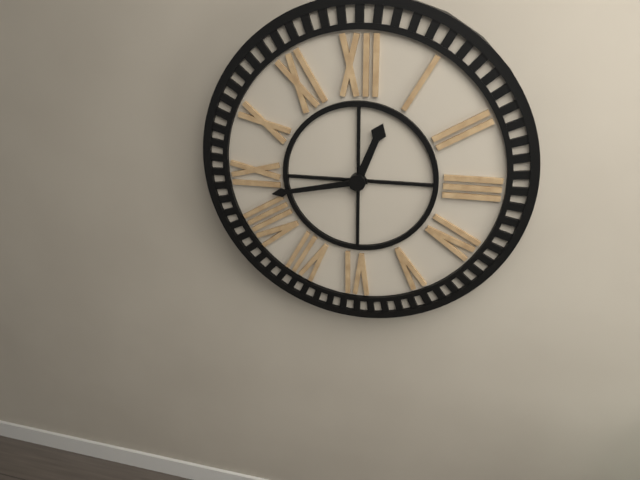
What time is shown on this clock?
12:43
